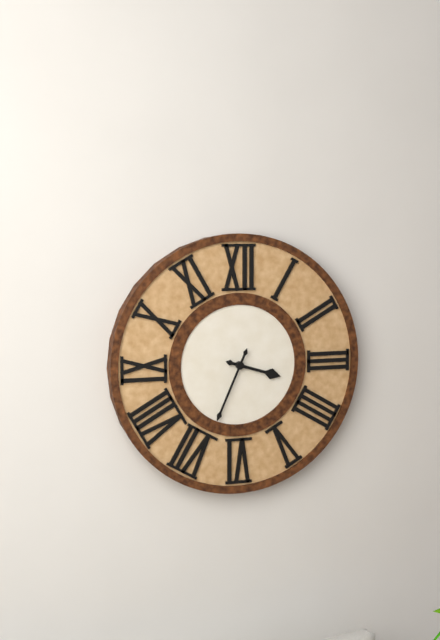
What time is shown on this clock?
3:34
